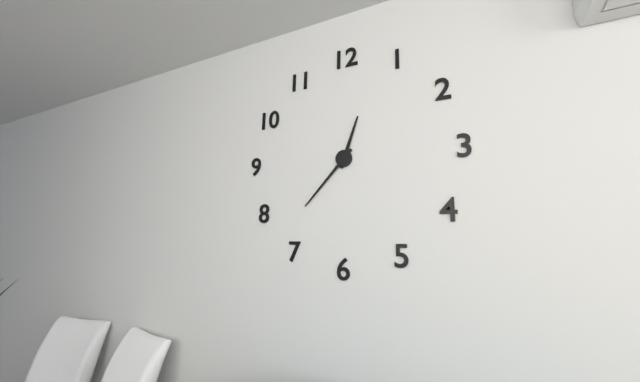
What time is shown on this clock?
12:37
